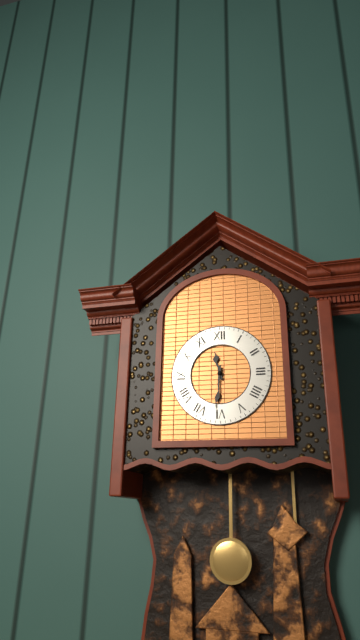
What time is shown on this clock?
11:31
